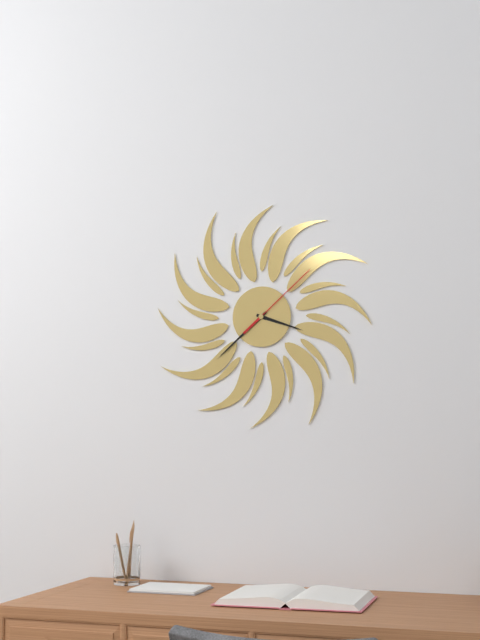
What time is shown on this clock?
3:38:08
